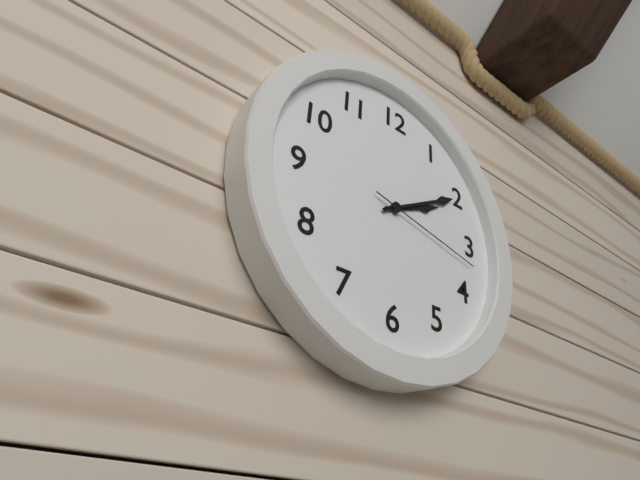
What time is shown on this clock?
2:10:17
